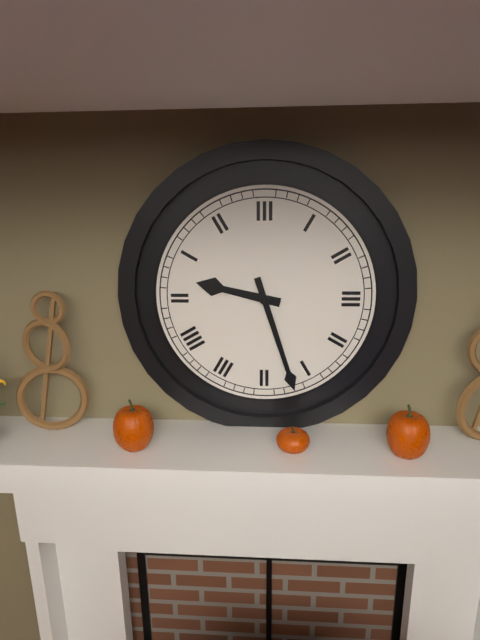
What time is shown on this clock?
9:27
